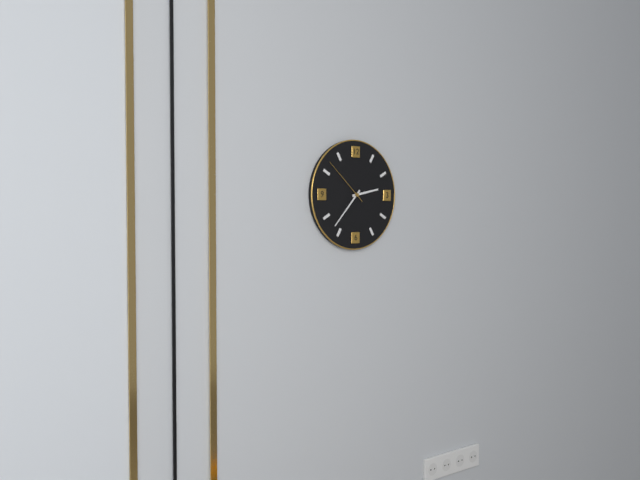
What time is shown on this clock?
2:37:52
